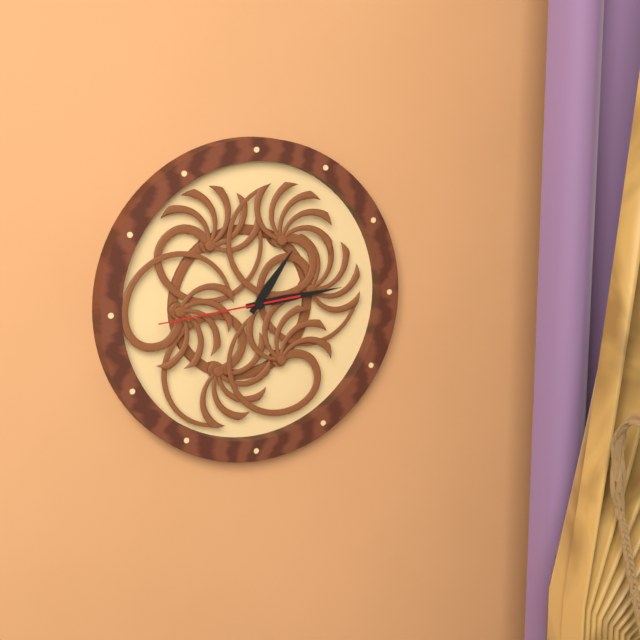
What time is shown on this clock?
1:14:44
